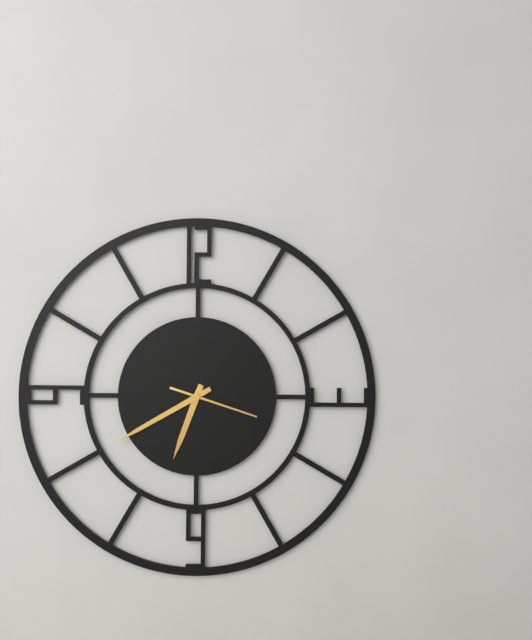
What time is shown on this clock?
6:40:18
